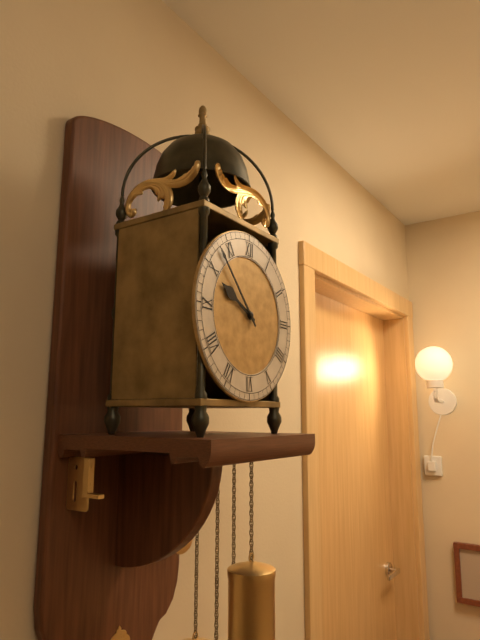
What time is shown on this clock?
9:53
